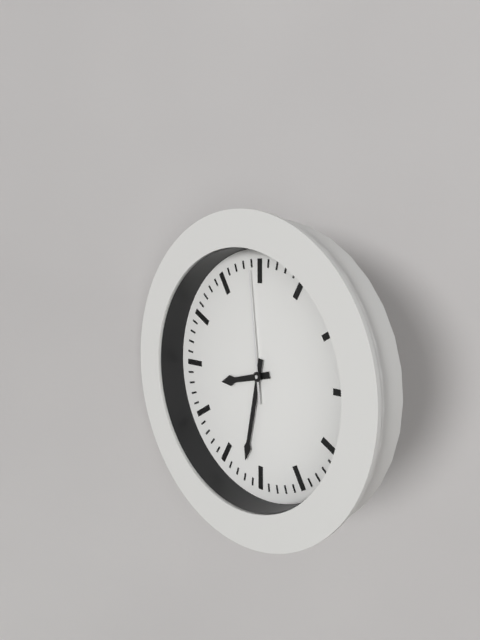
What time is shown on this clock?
8:32:59
